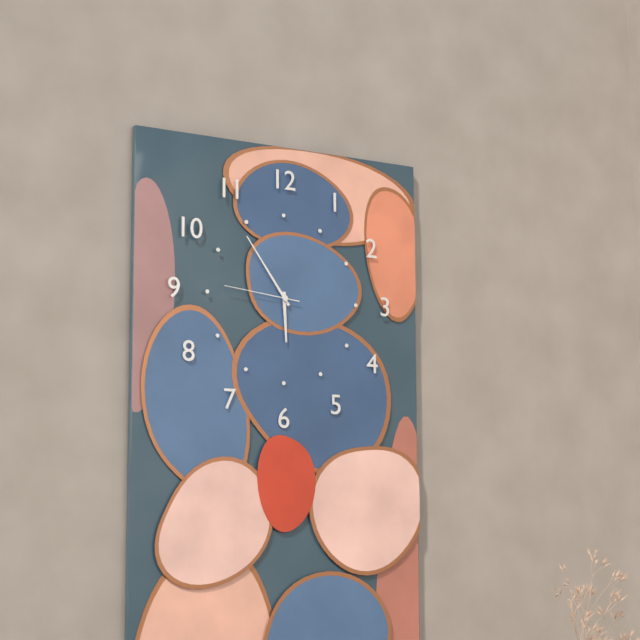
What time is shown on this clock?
5:54:46
